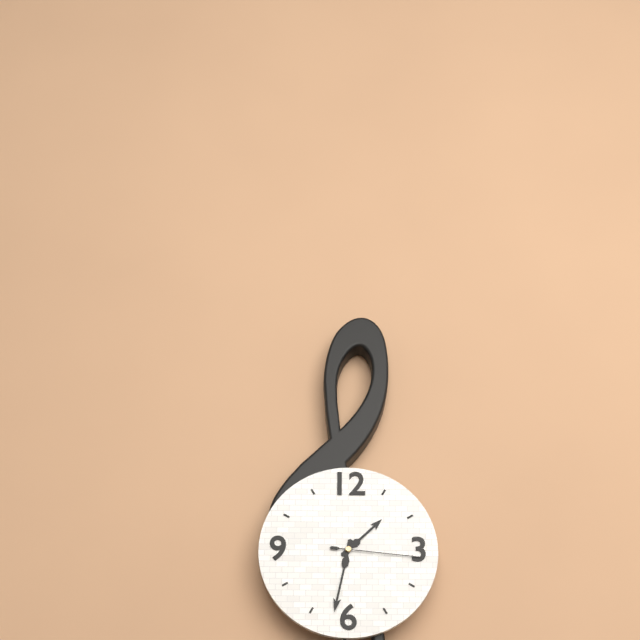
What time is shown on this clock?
1:32:16
